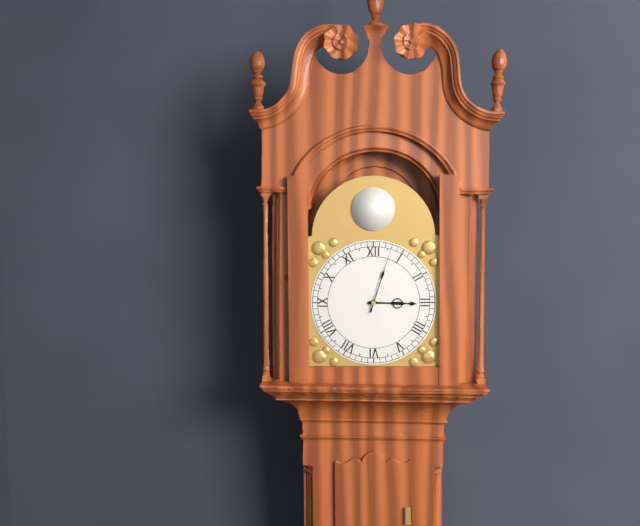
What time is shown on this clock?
3:03
